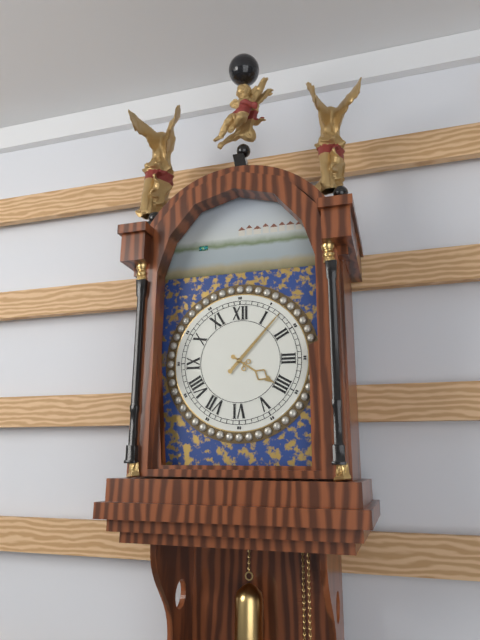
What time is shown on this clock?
4:07
